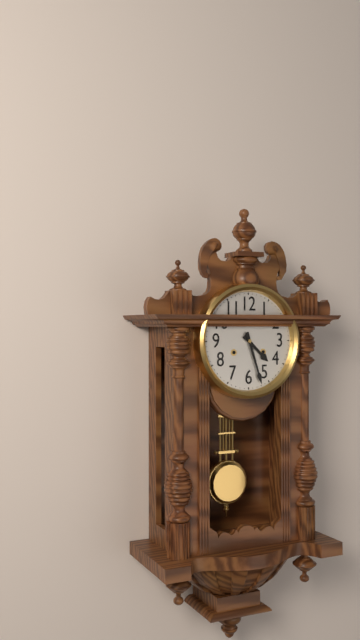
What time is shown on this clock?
4:27
